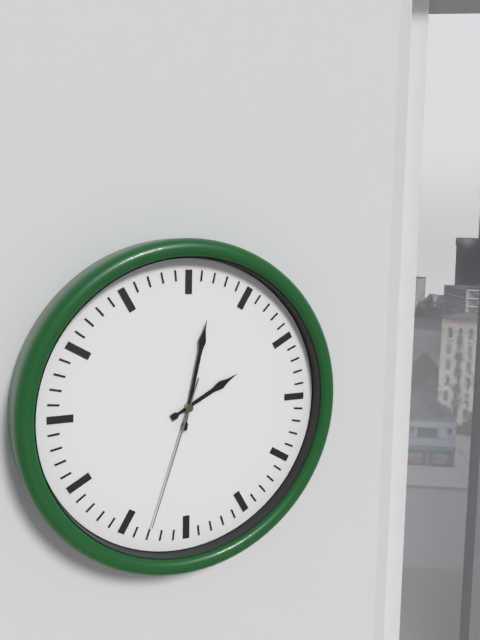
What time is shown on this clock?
2:02:33
